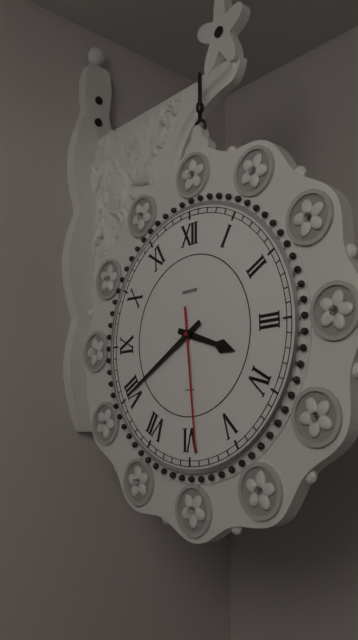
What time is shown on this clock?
3:40:29
